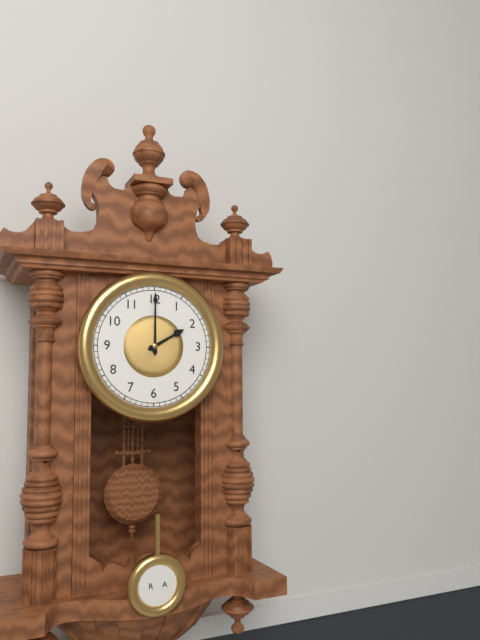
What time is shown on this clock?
2:00
